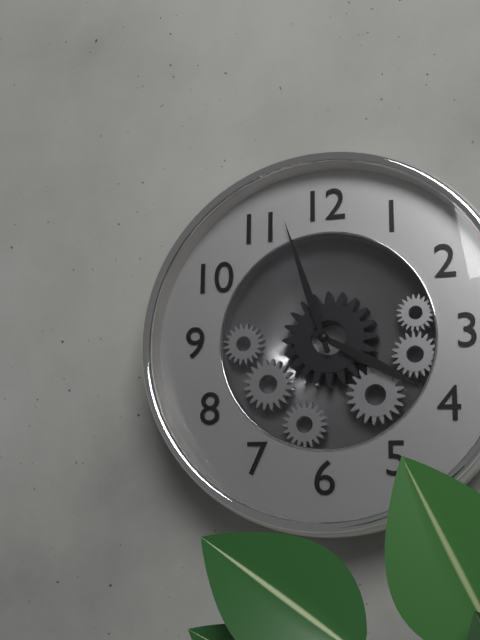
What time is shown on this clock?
3:57
